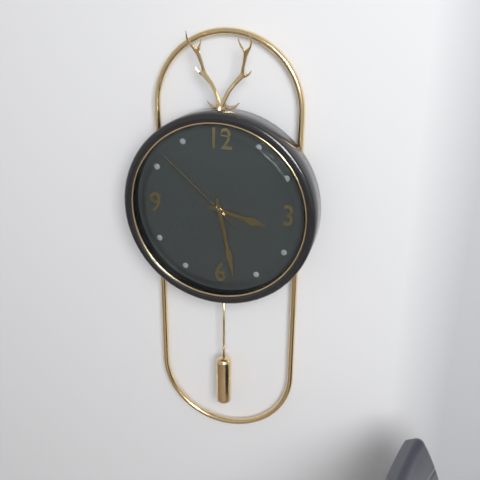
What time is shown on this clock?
3:28:52
